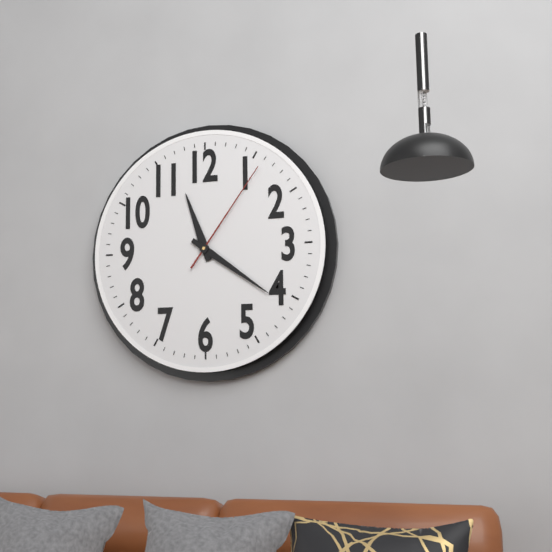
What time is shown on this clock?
11:21:06
